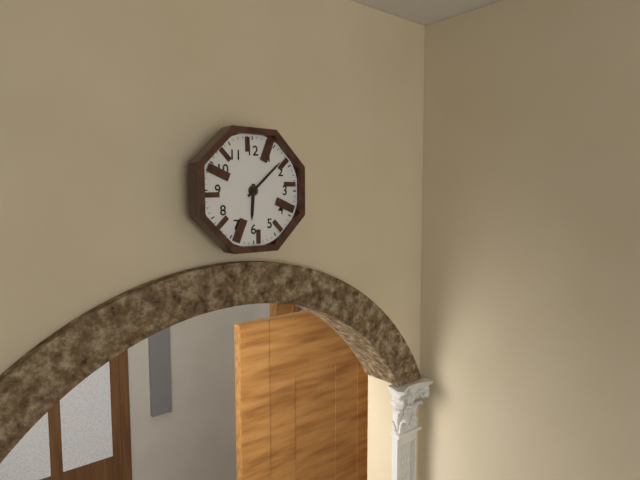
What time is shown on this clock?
6:08
